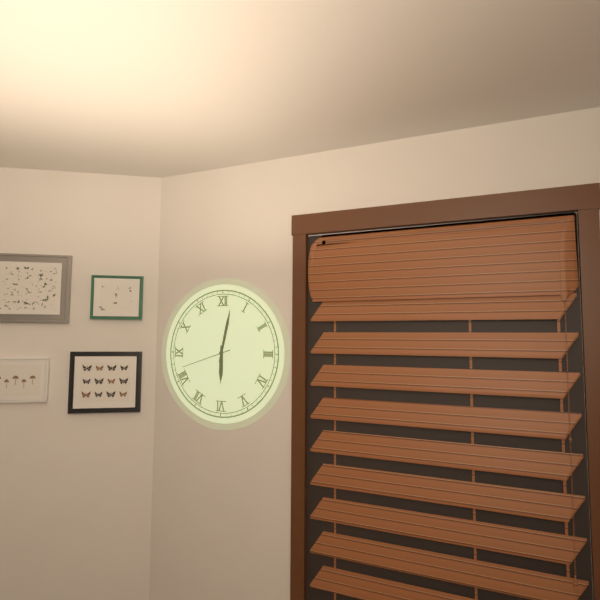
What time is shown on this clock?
6:02:42
